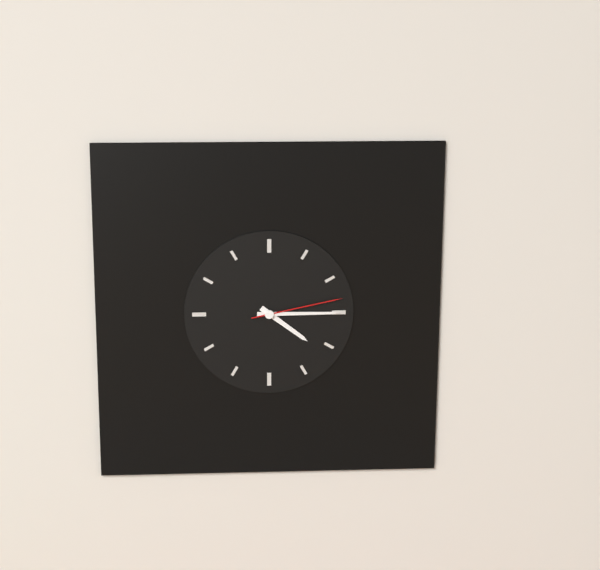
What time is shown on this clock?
4:15:13
